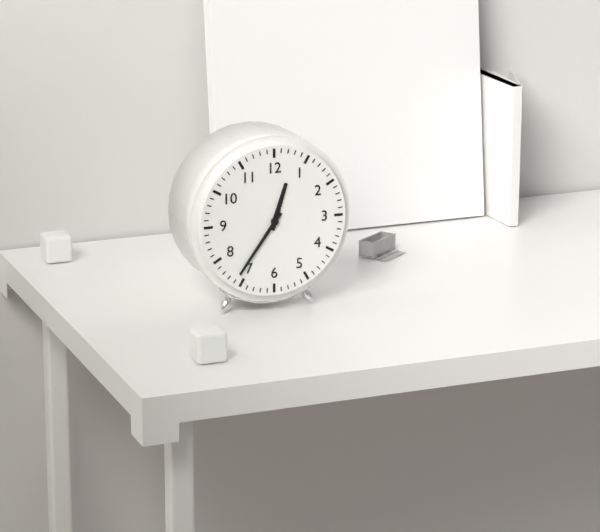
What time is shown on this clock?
12:36
